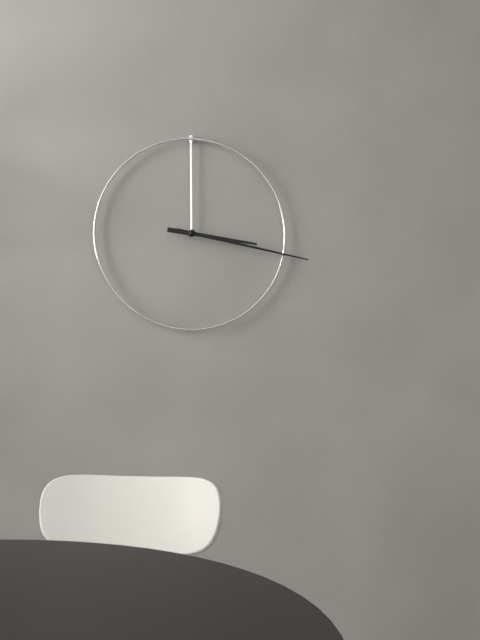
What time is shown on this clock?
3:17
